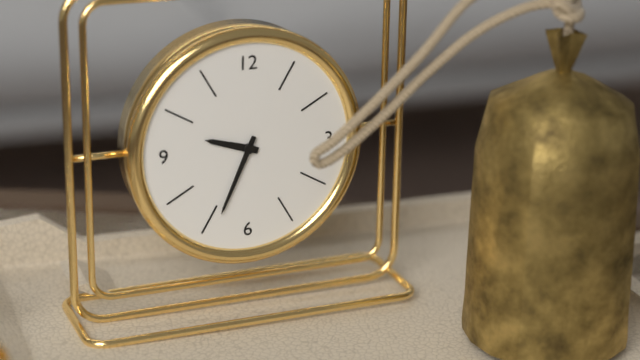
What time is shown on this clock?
9:34
